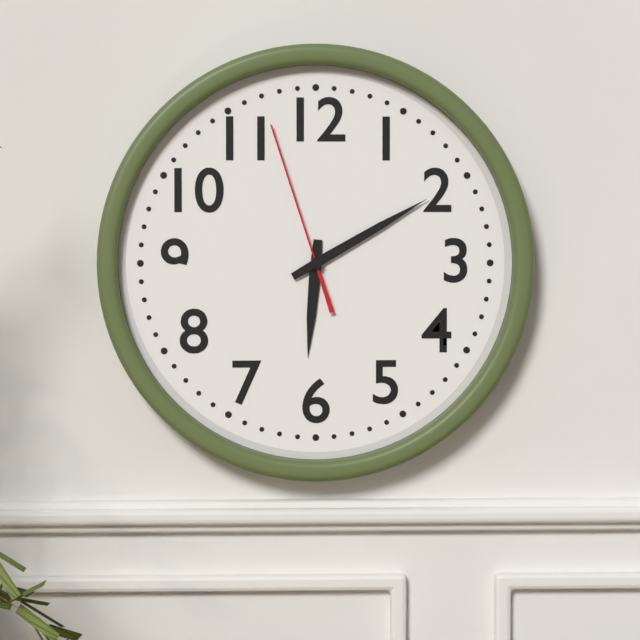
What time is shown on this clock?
6:10:57
